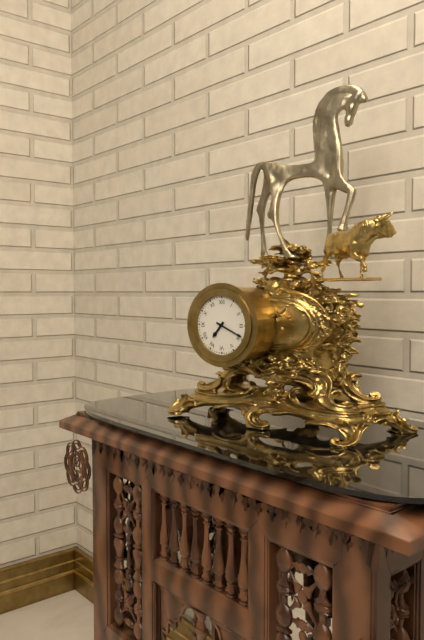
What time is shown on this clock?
7:19
